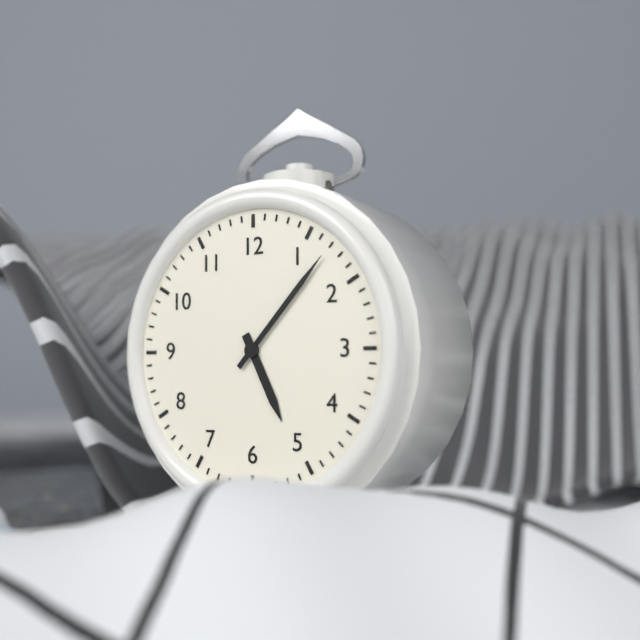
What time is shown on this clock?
5:07
